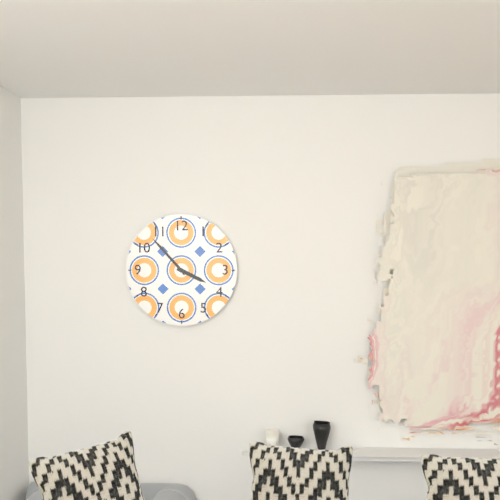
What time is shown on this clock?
3:53
